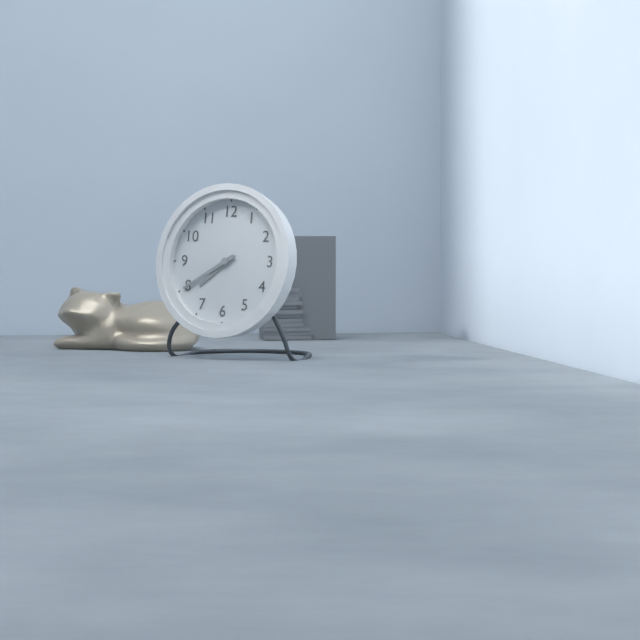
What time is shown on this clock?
7:40
